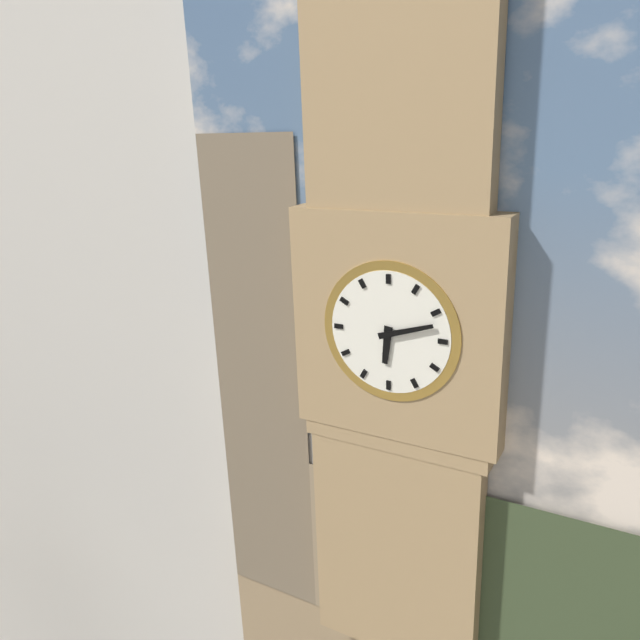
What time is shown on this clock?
6:12
